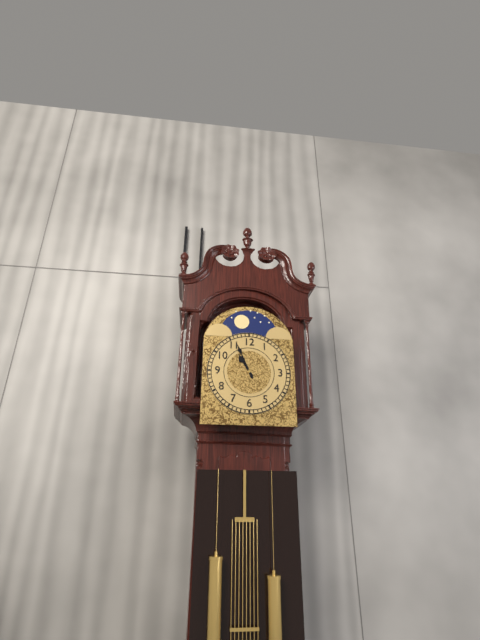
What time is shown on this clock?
10:56
